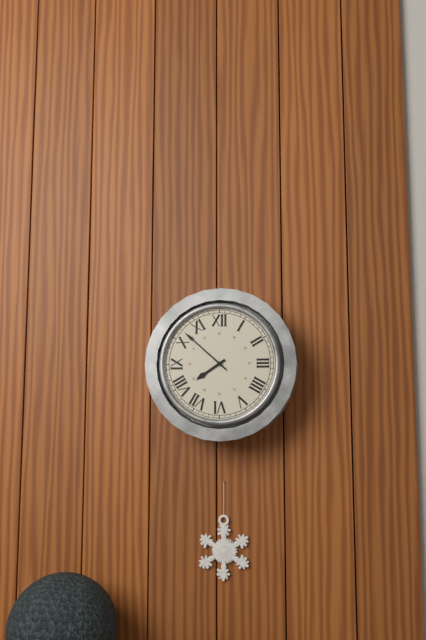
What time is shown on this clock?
7:52
